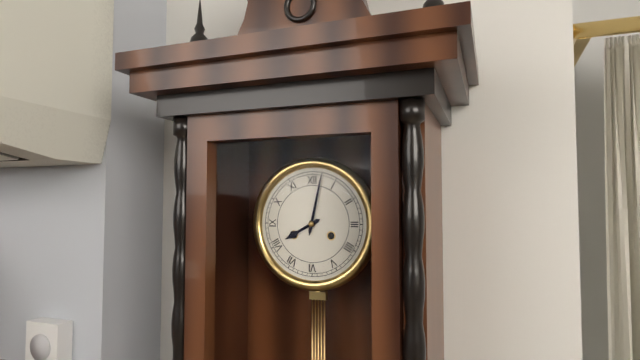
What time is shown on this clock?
8:02
